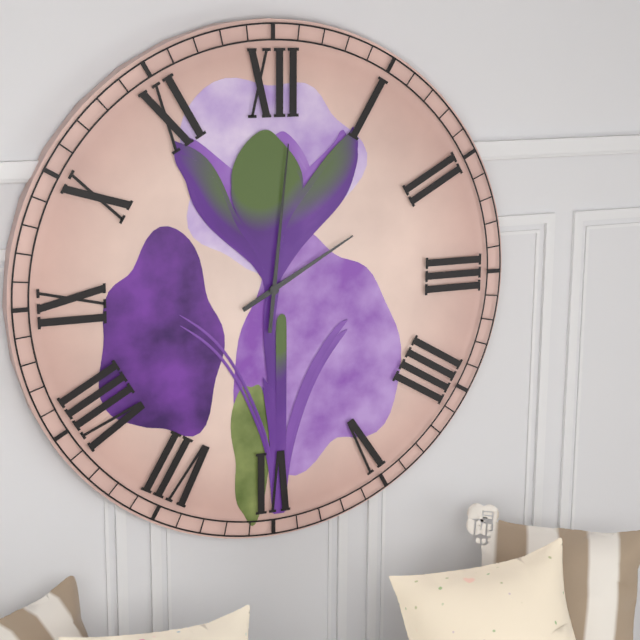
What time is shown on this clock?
2:01
